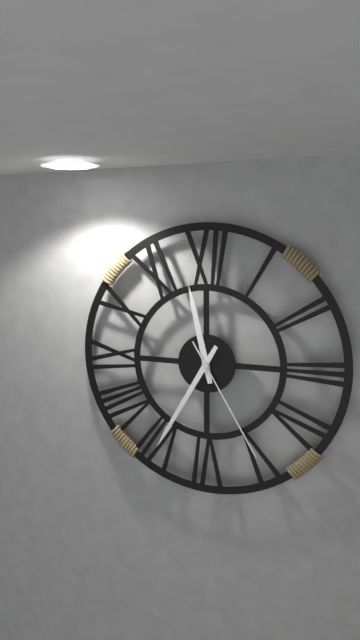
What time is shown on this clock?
11:35:25
